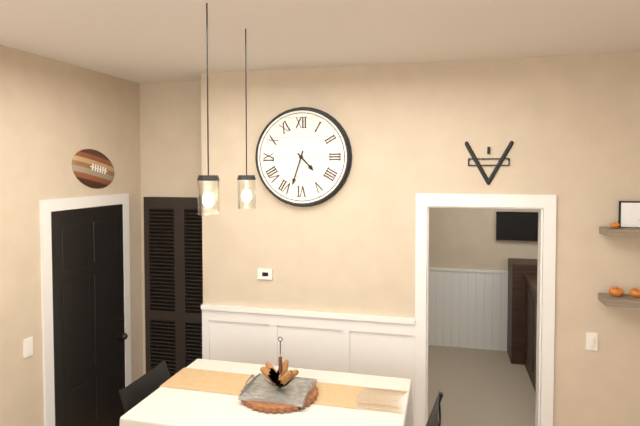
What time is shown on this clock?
4:33
